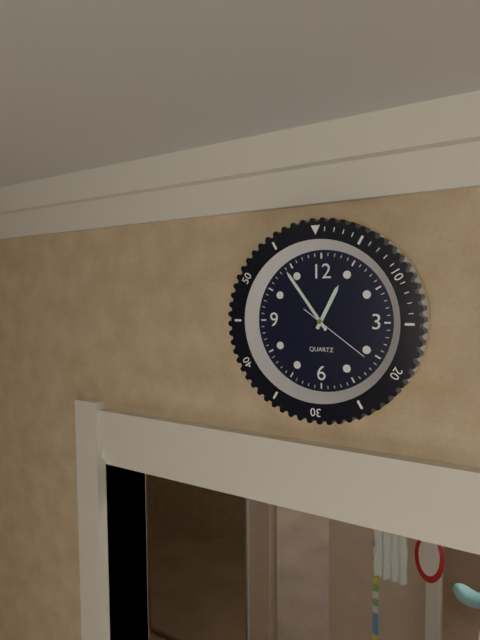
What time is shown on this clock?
12:54:21
